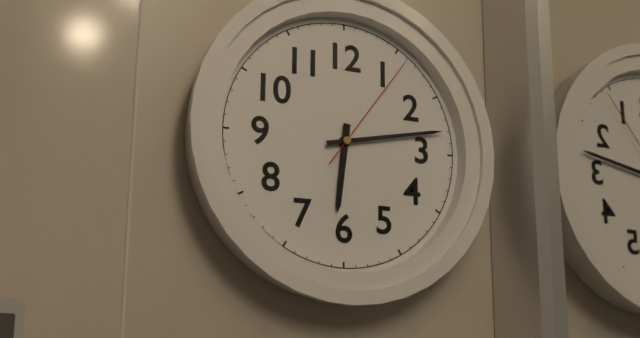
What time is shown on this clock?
6:13:06
